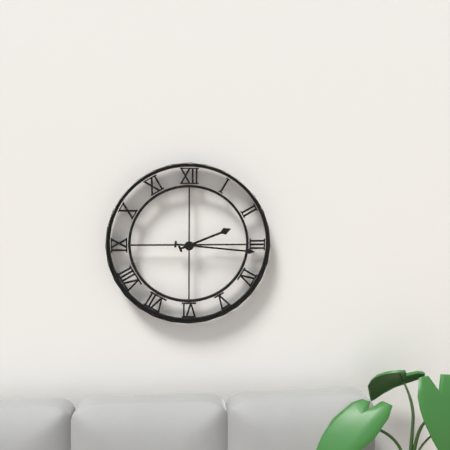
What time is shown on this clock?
2:16
